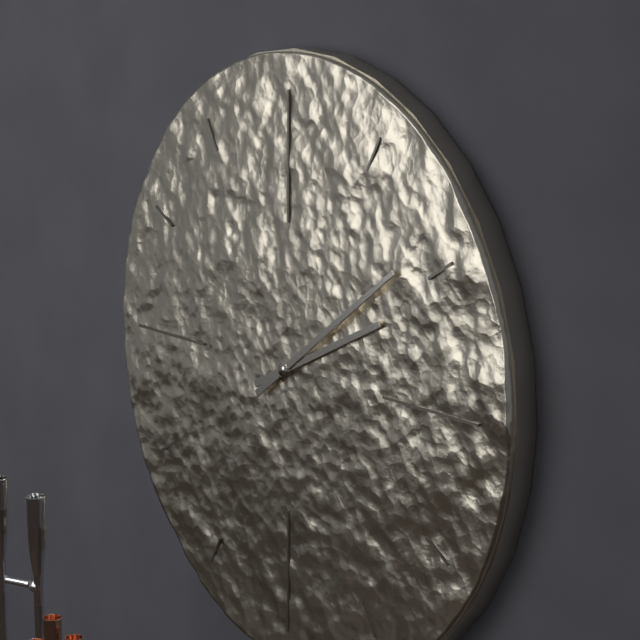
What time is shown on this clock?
2:09
